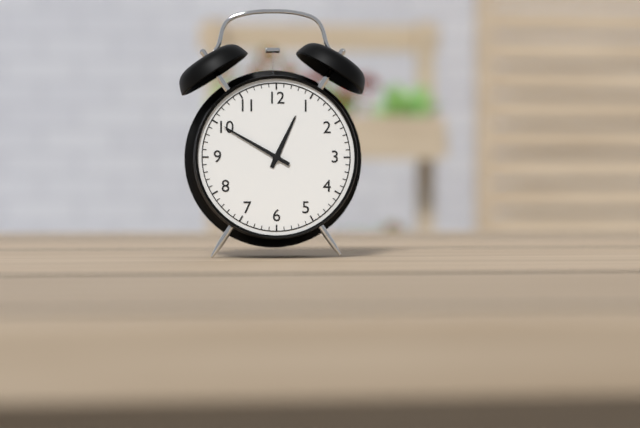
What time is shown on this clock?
12:50
